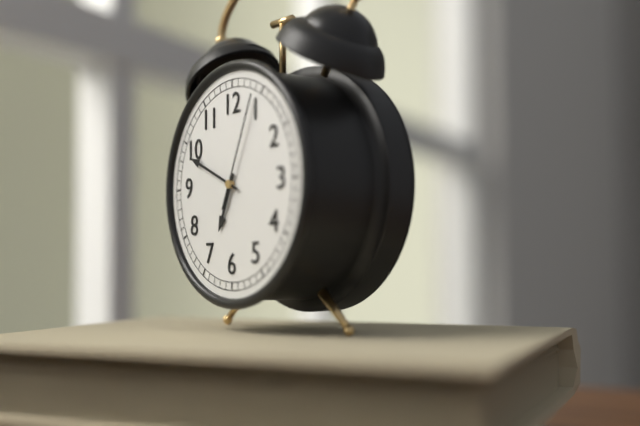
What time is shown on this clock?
6:49:04
